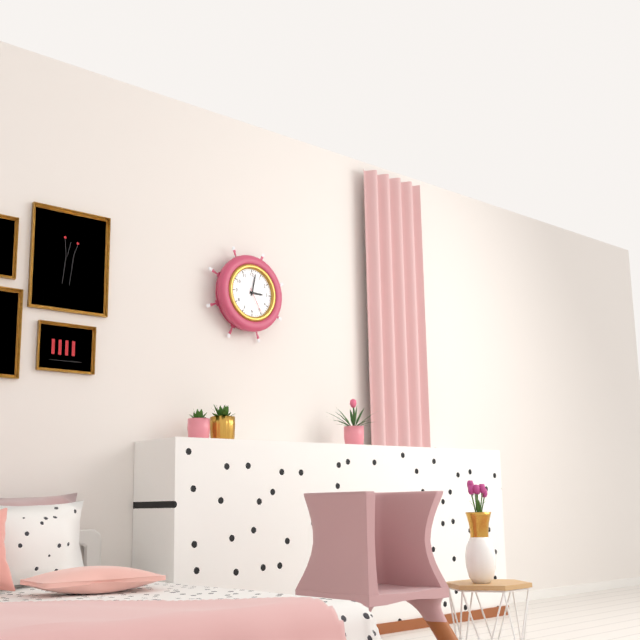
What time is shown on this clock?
3:02
